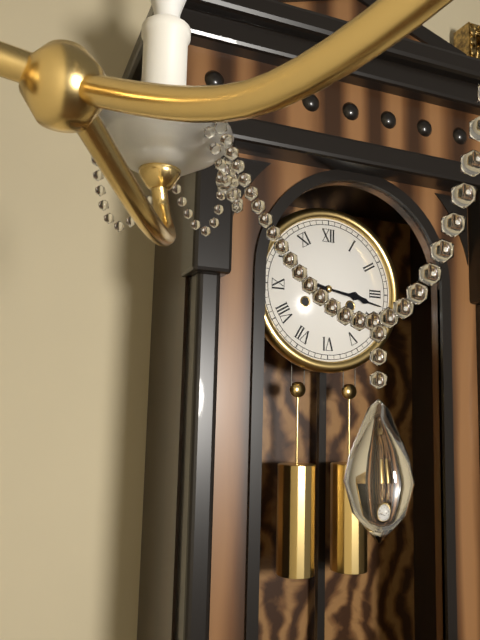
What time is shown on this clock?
3:17
